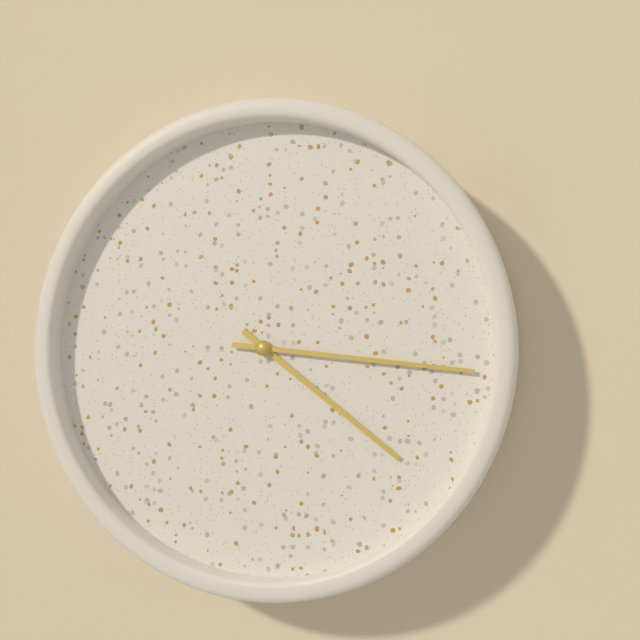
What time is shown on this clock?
4:16
